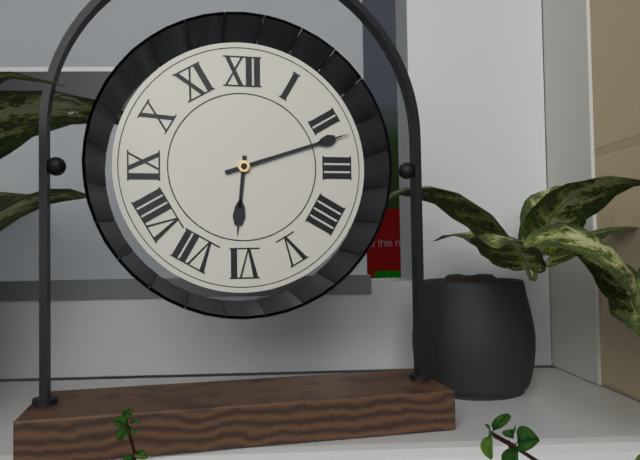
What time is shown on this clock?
6:12
